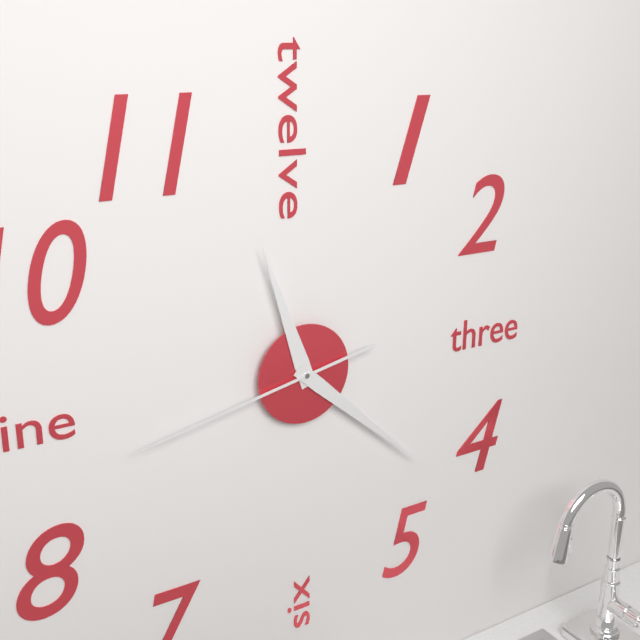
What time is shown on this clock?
11:22:43
